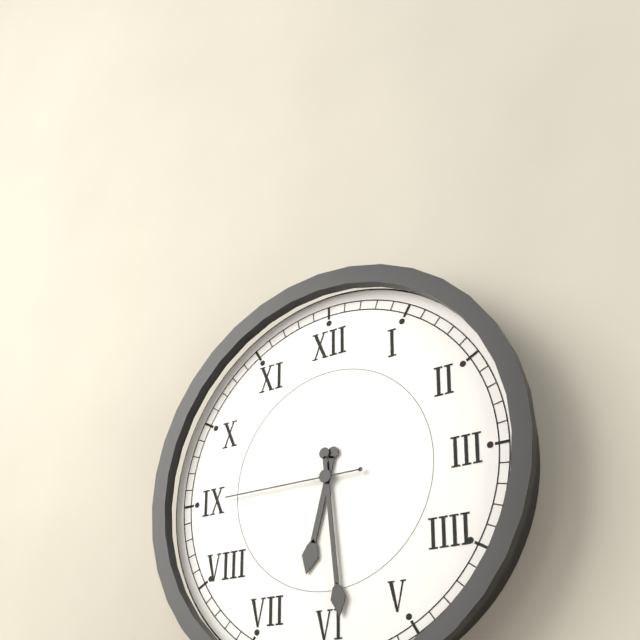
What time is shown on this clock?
6:29:45
